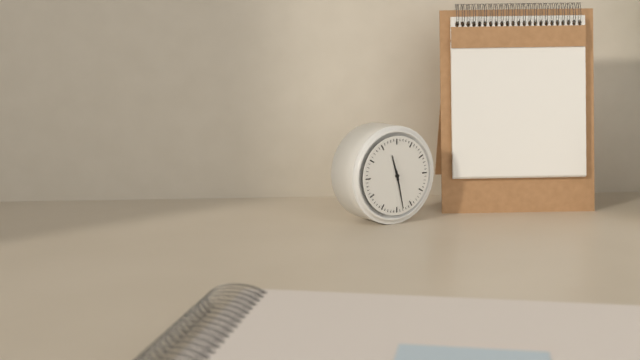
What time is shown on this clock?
11:28
